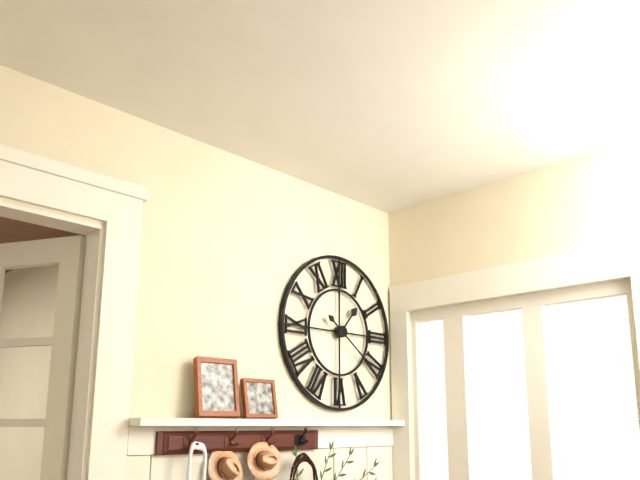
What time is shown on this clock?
1:21
